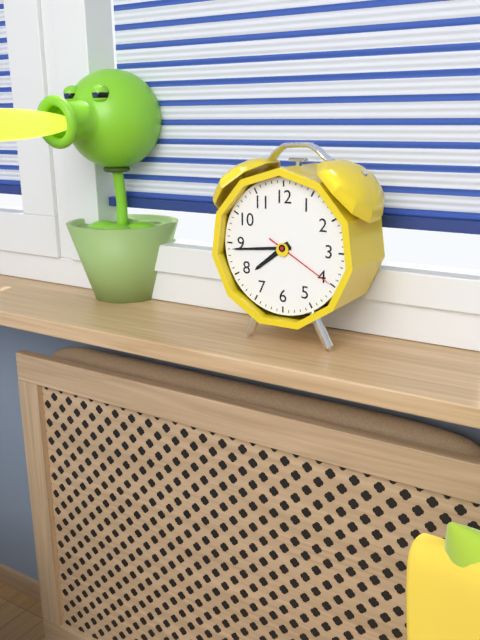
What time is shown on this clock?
7:44:20
